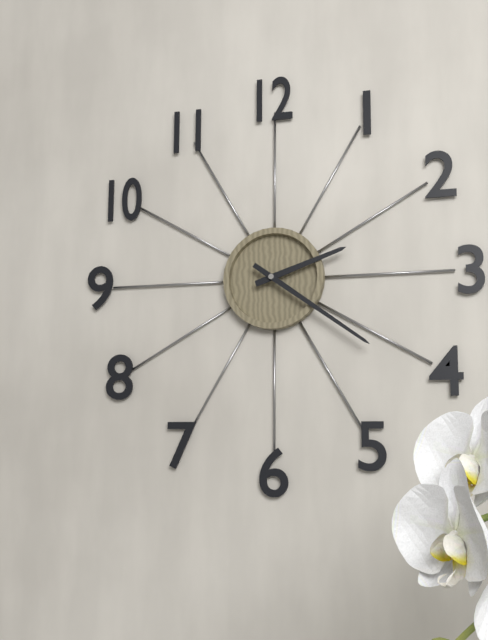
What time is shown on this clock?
2:21
